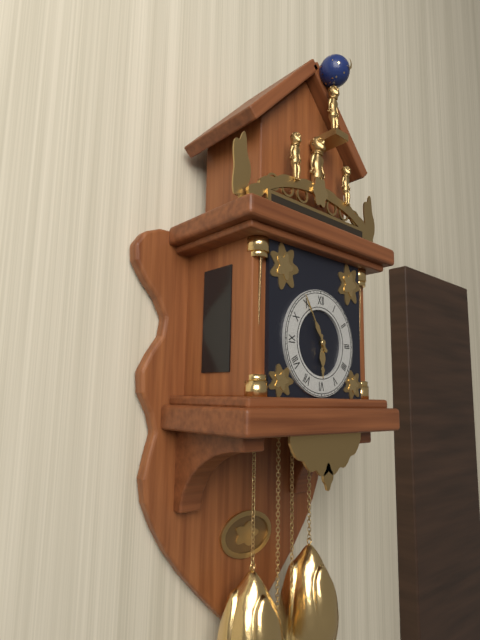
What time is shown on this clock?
5:55
